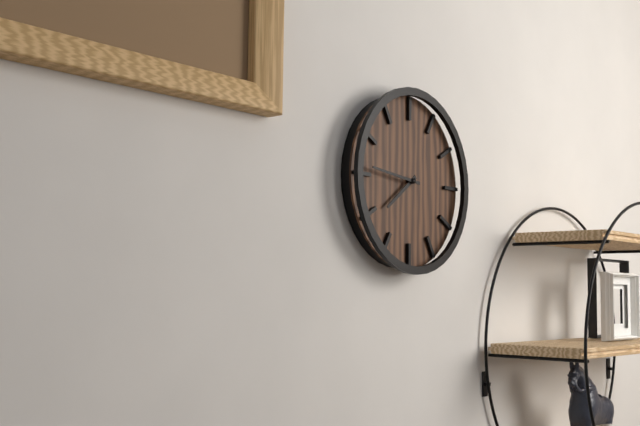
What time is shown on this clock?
7:46
